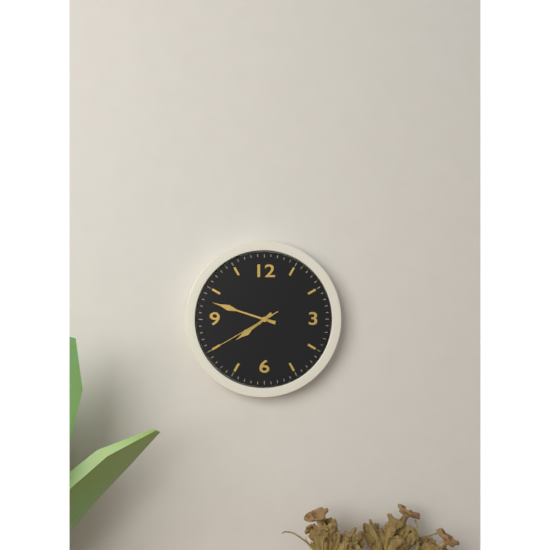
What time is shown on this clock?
7:48:40
